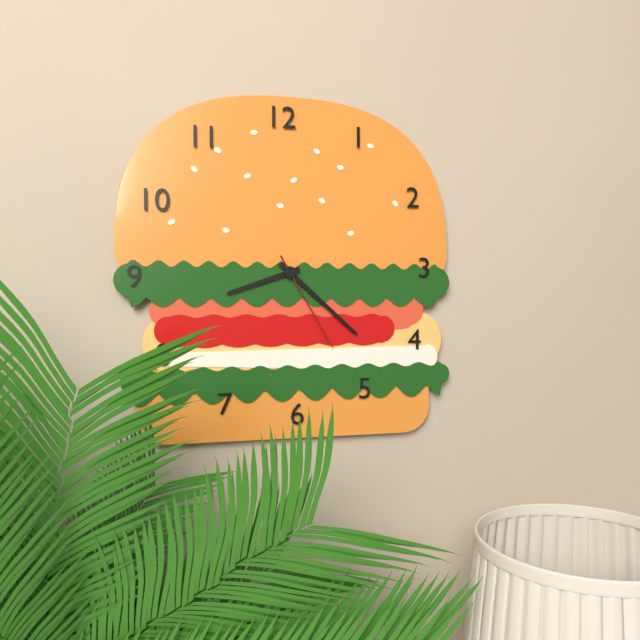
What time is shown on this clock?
8:22:25
